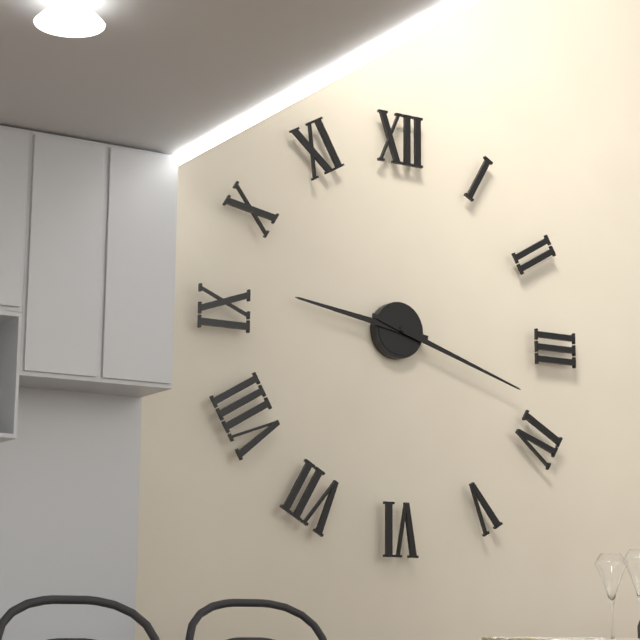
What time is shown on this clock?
9:18
